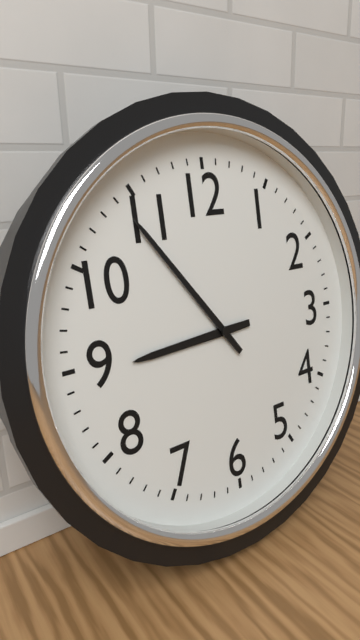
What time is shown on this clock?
8:54
